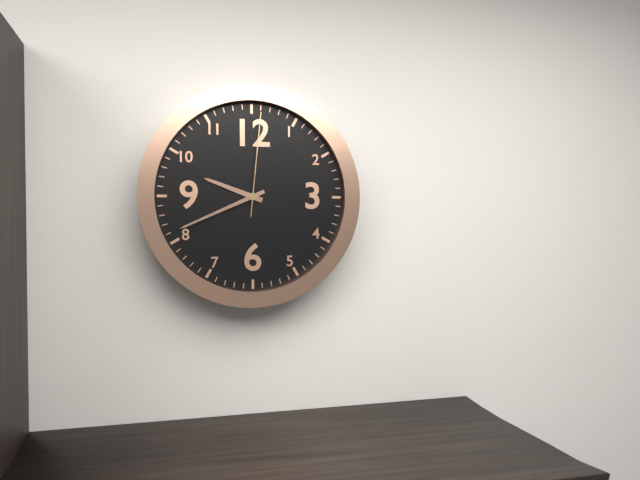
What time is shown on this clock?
9:41:01
